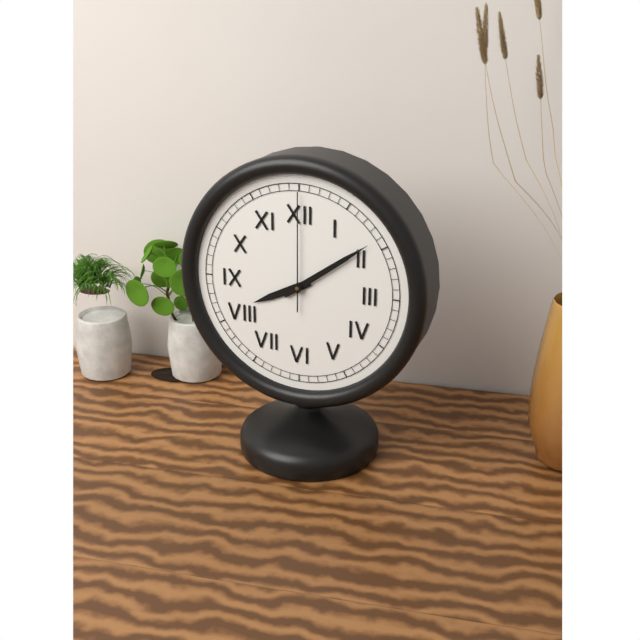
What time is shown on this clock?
8:09:00
